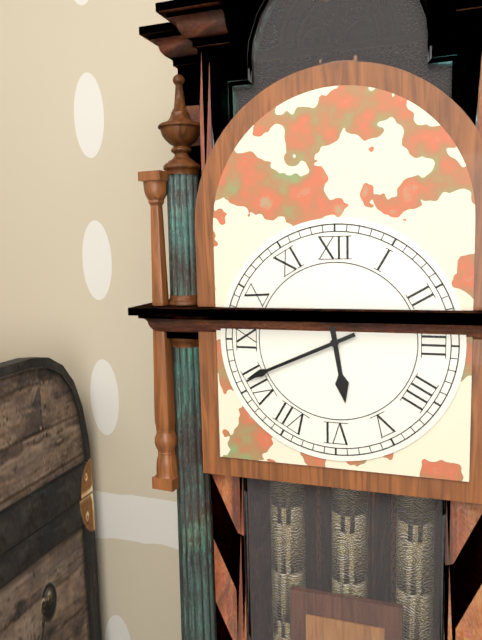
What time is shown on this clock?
5:41
